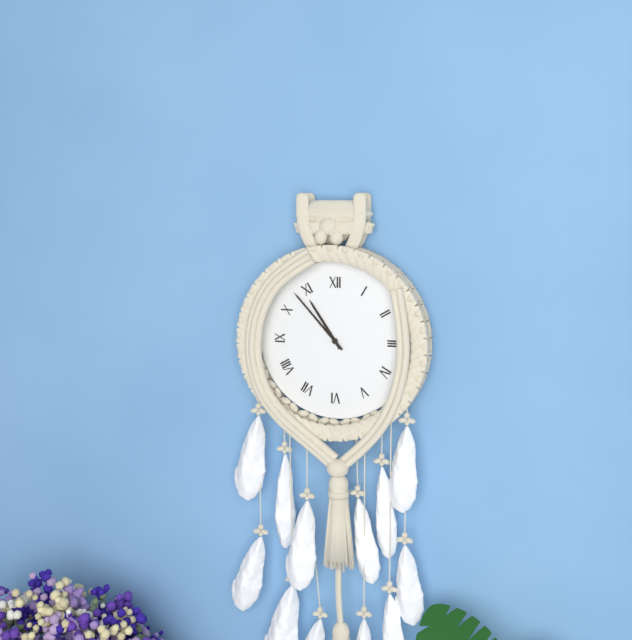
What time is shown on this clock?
10:53
